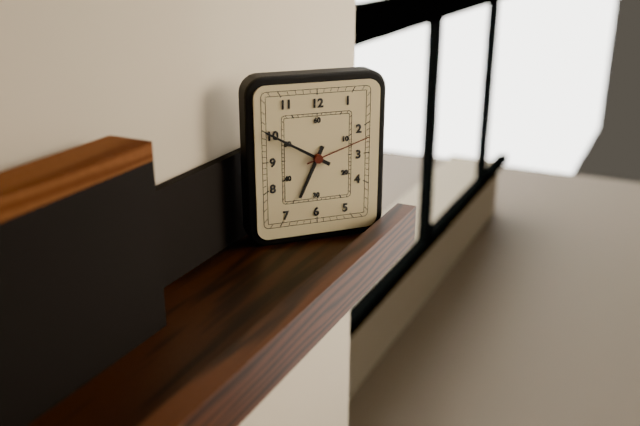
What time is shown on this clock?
6:50:12
